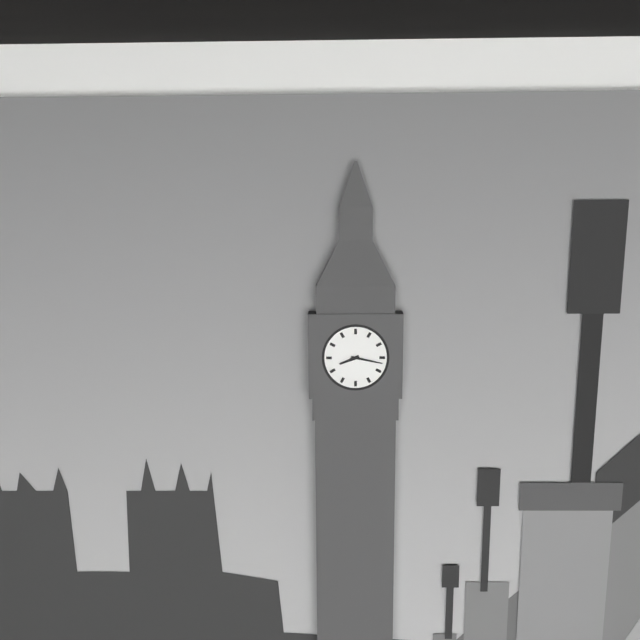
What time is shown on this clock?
8:17
